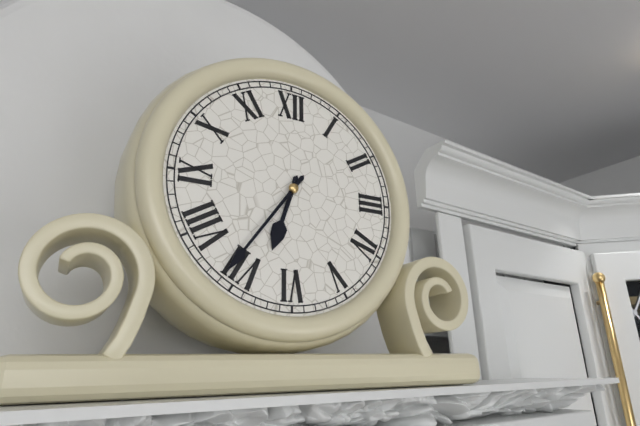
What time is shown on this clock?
6:36
